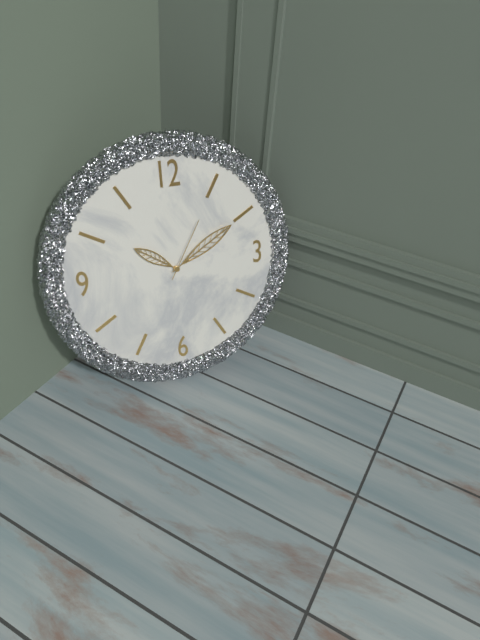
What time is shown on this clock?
10:10:05
